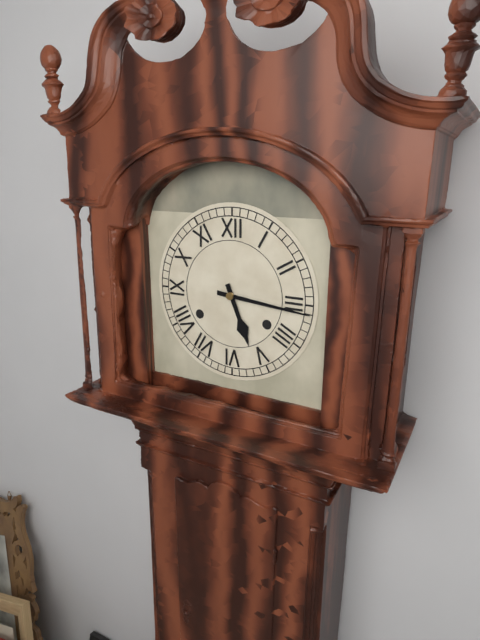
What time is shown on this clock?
5:16
